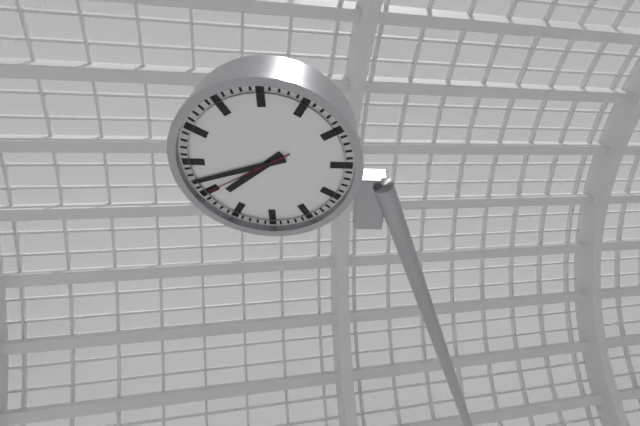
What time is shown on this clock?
7:42:40
